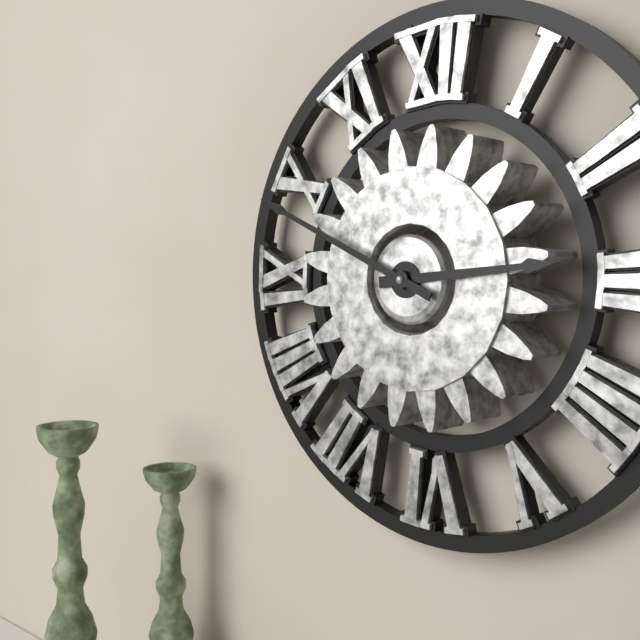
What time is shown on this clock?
2:49
